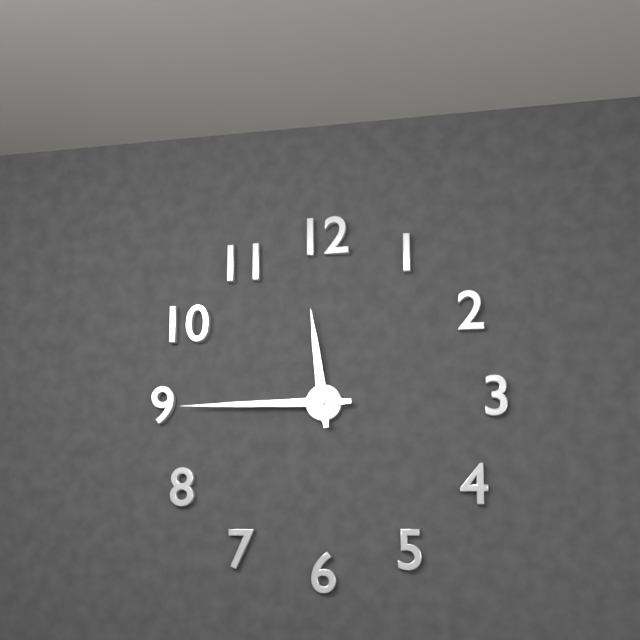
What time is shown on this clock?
11:45
